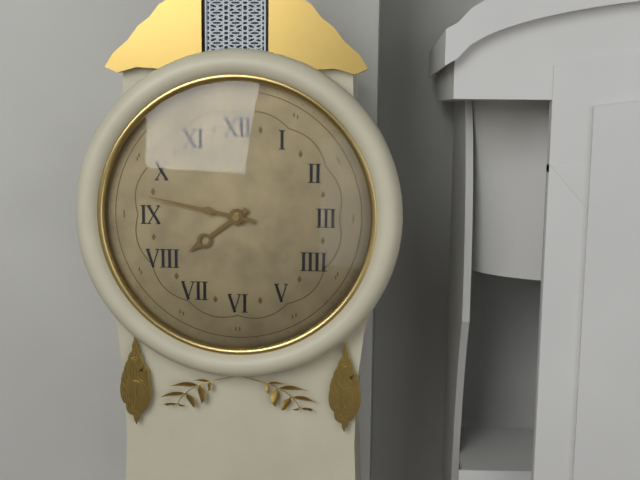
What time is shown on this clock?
7:47
